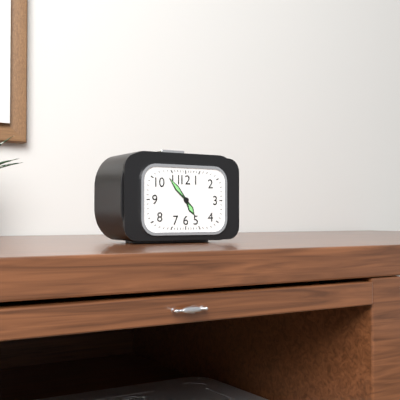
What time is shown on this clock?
4:53
